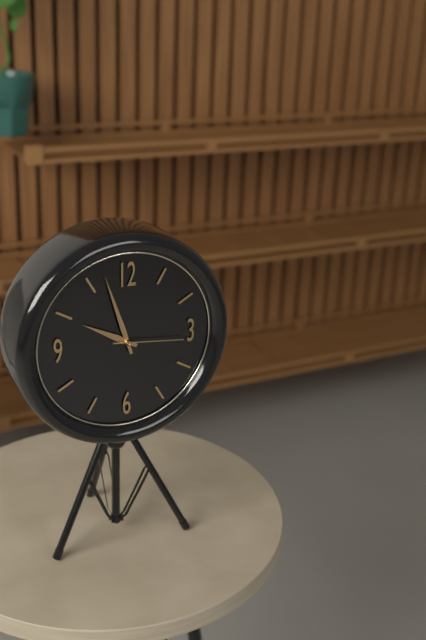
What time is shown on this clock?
9:57:16
